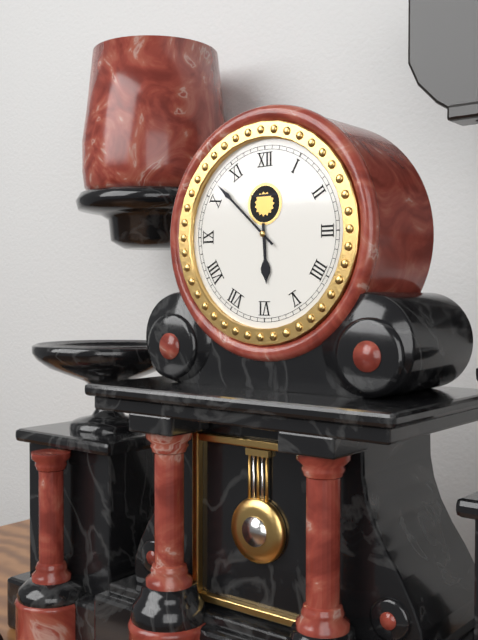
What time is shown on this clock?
5:52
